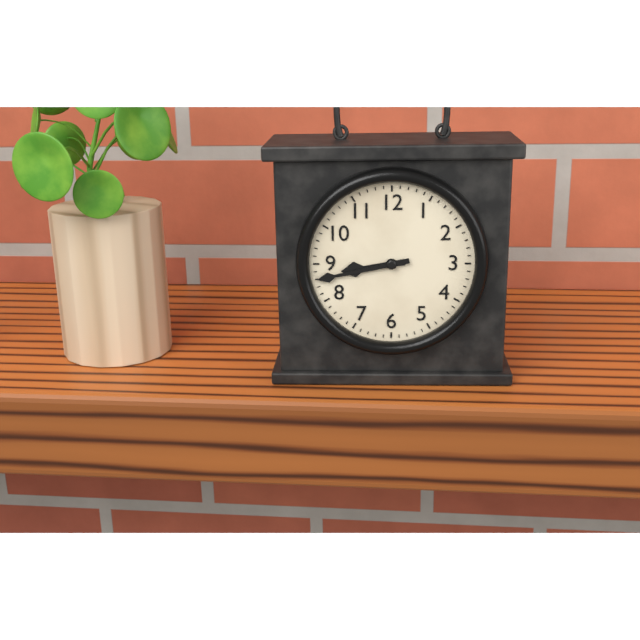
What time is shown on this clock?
8:43
